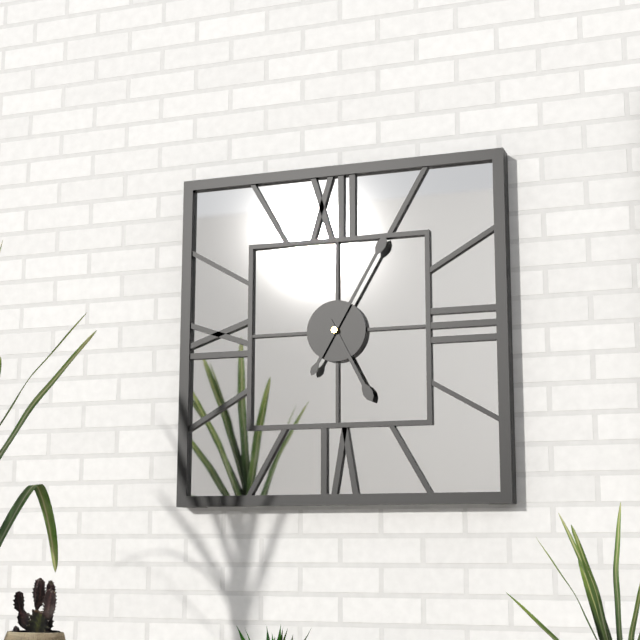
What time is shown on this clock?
5:05
